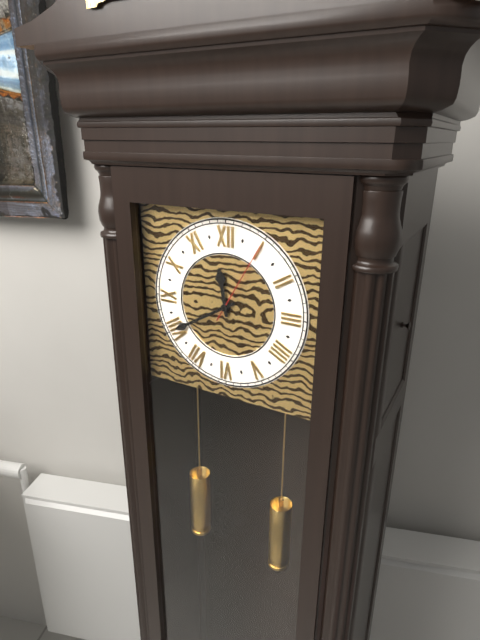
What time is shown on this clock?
11:40:05
